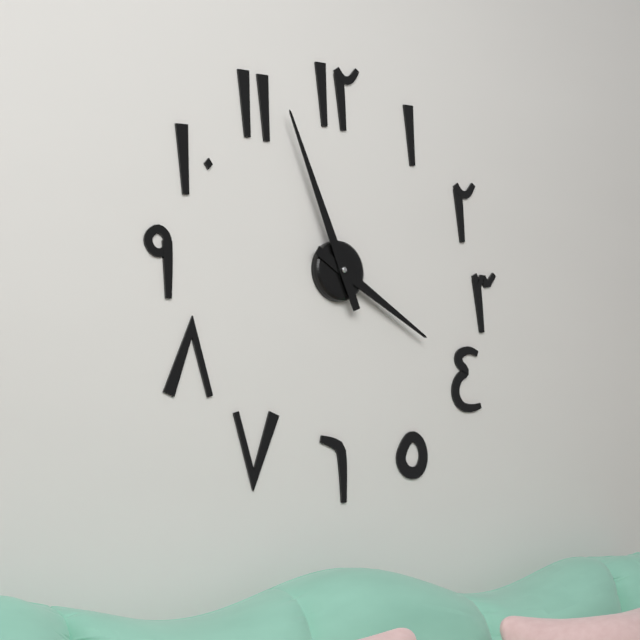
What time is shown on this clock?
3:56
